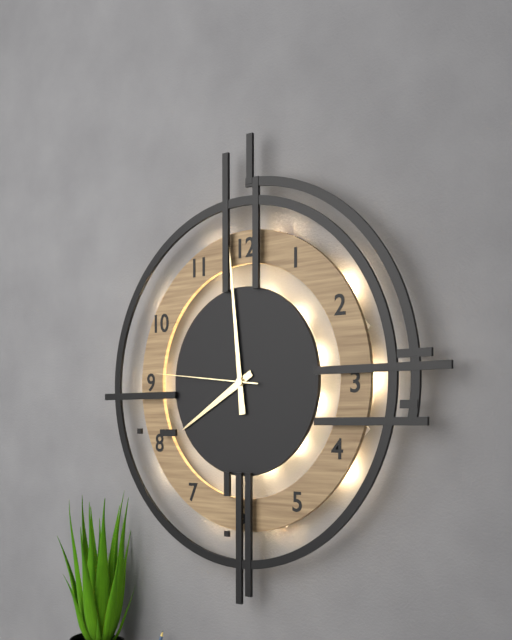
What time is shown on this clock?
7:59:46
